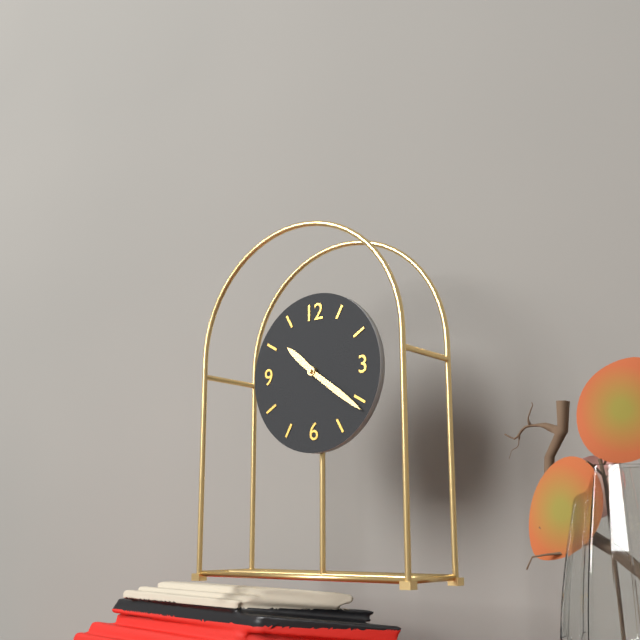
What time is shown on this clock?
10:21
